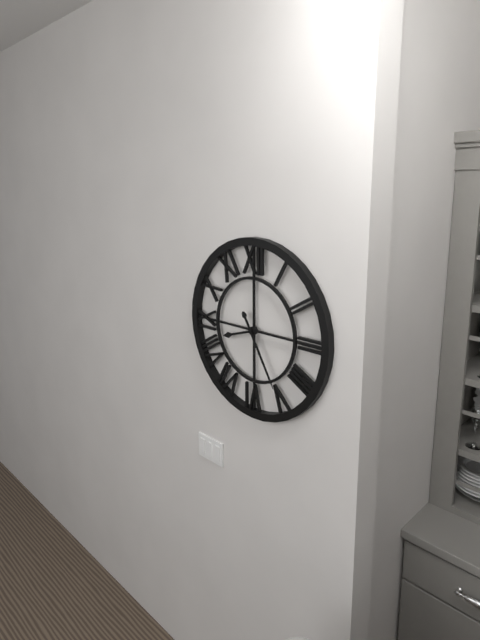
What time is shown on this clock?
8:25
